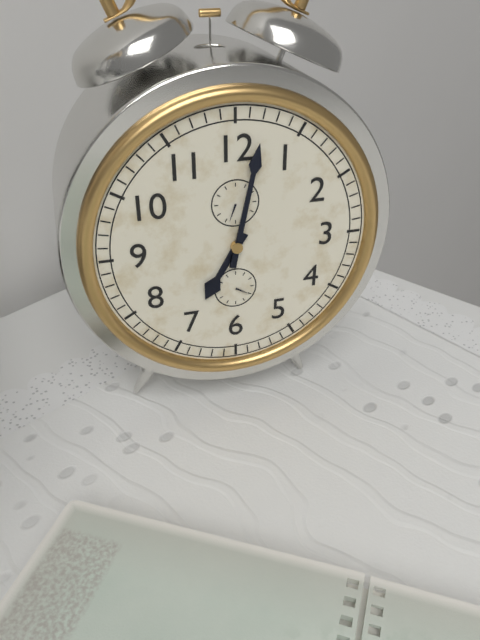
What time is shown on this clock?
7:02
